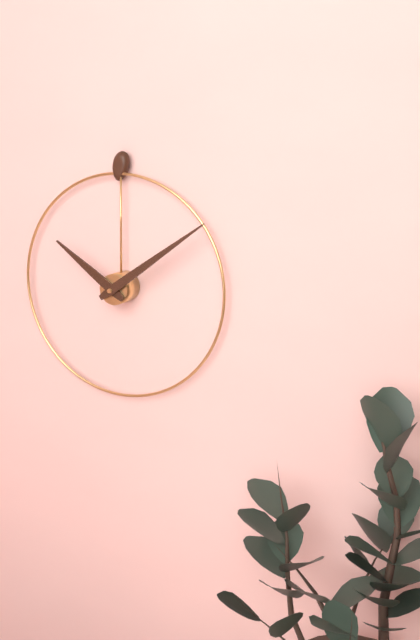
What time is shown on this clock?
10:09
